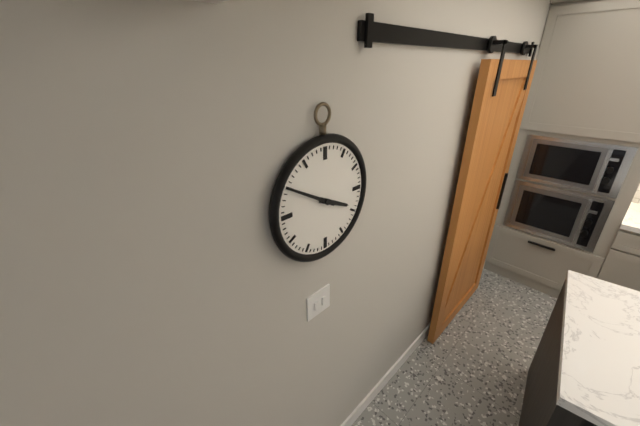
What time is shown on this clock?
3:50
